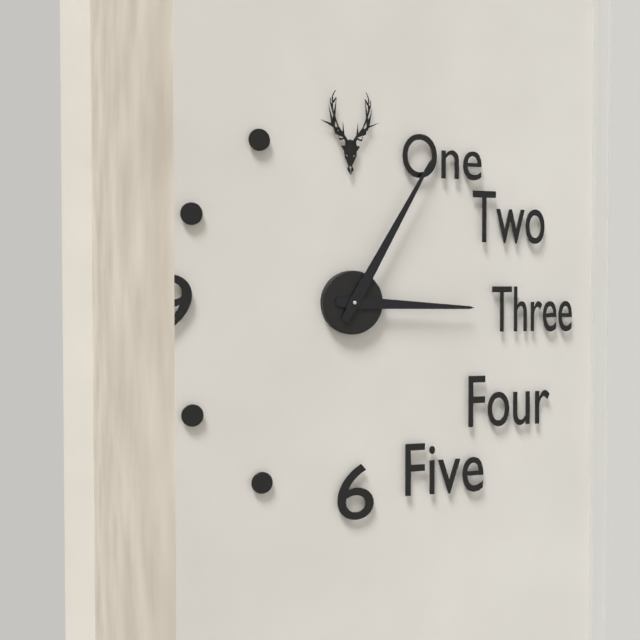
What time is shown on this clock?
3:05
